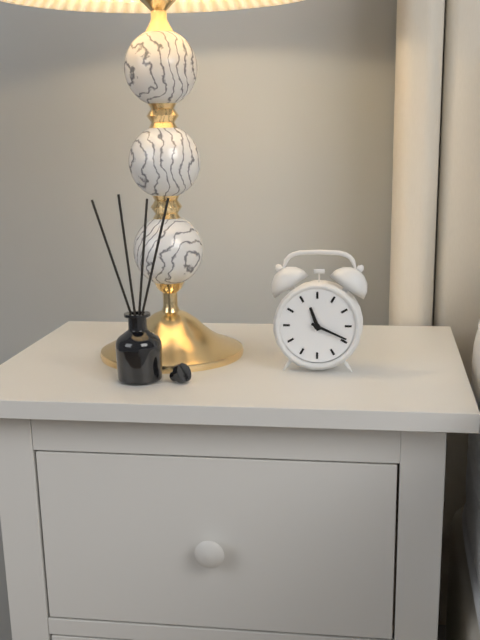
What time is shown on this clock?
11:19
